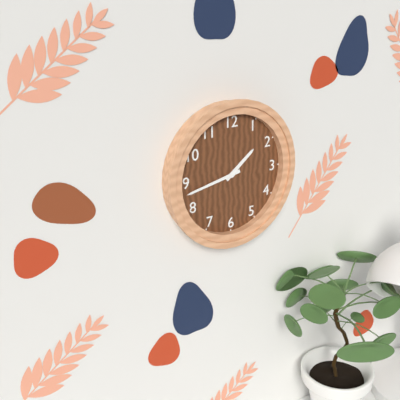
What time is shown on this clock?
1:43
